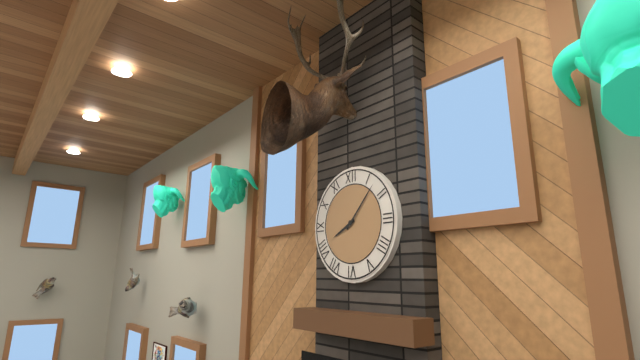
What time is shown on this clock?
8:07
